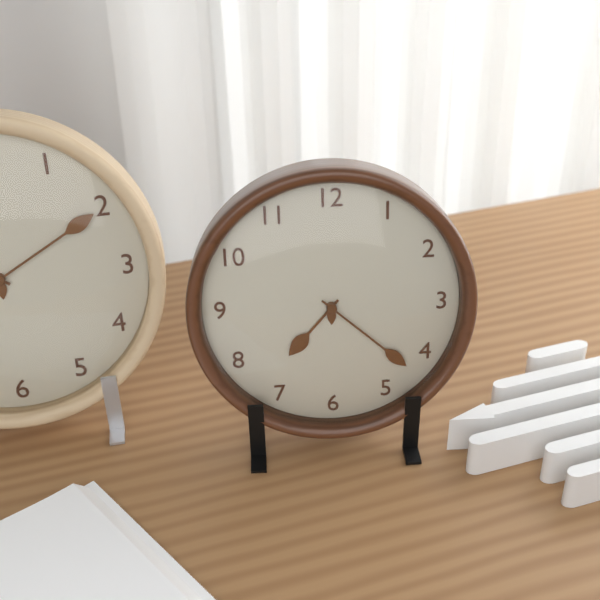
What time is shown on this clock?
7:22
